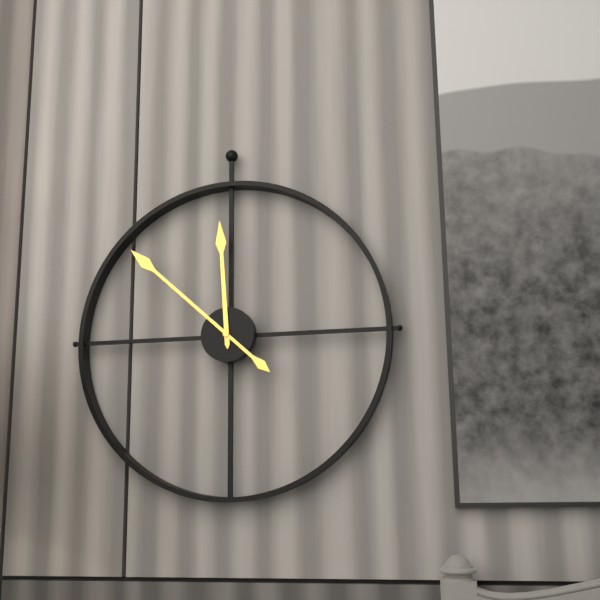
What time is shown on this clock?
11:52
